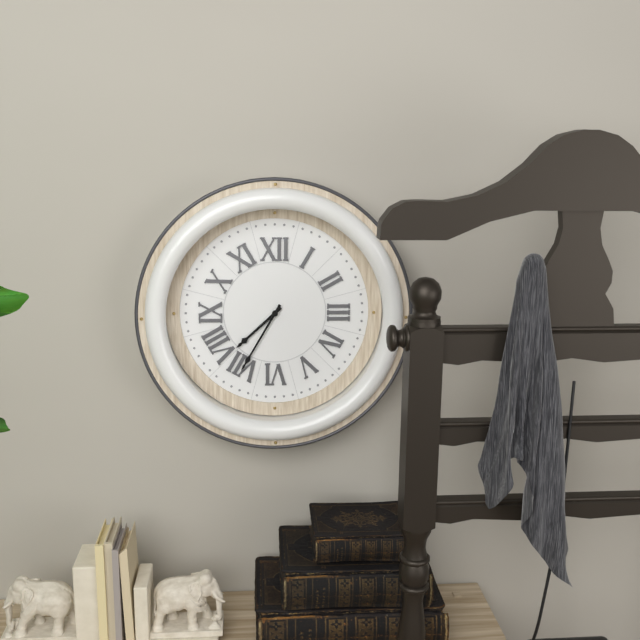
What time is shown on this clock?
7:35
